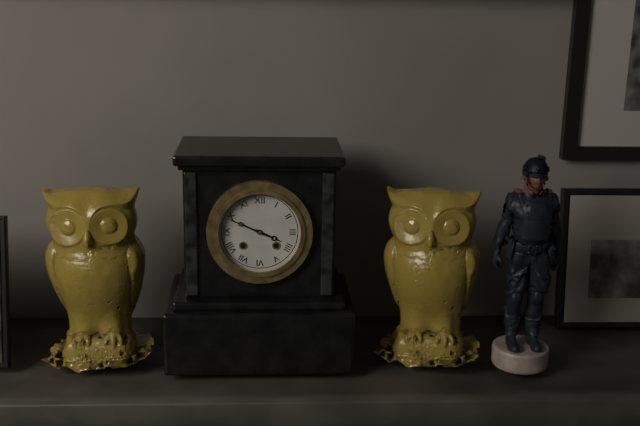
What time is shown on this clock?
3:49
